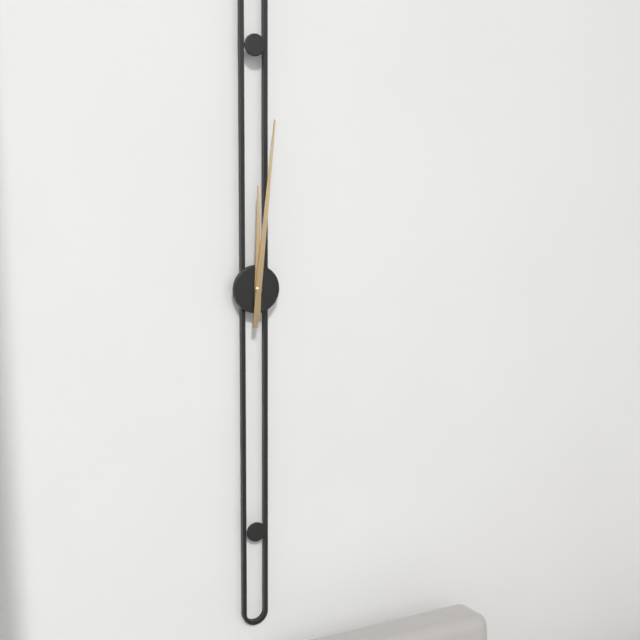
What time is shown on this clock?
12:01
